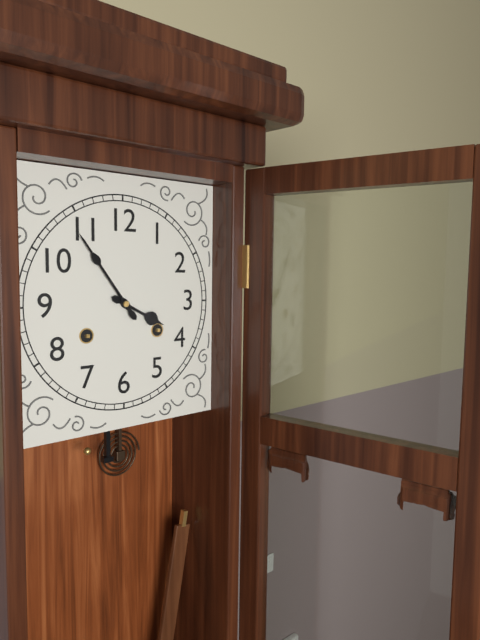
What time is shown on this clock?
3:54
